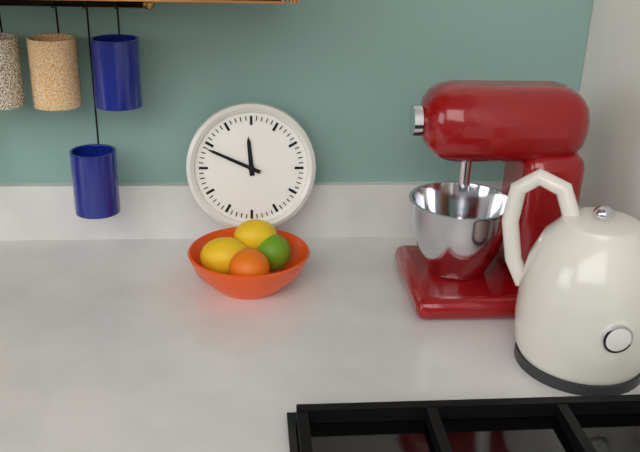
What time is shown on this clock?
11:49
